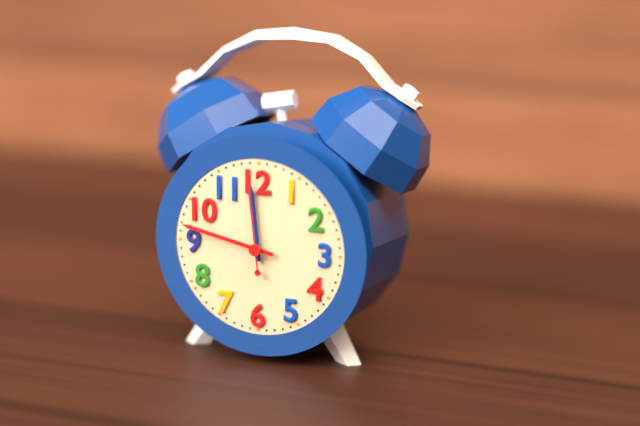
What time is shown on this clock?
11:47:59
